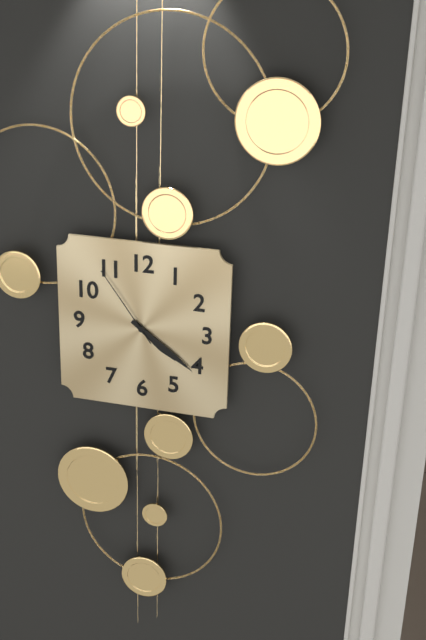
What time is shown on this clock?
4:21:54
